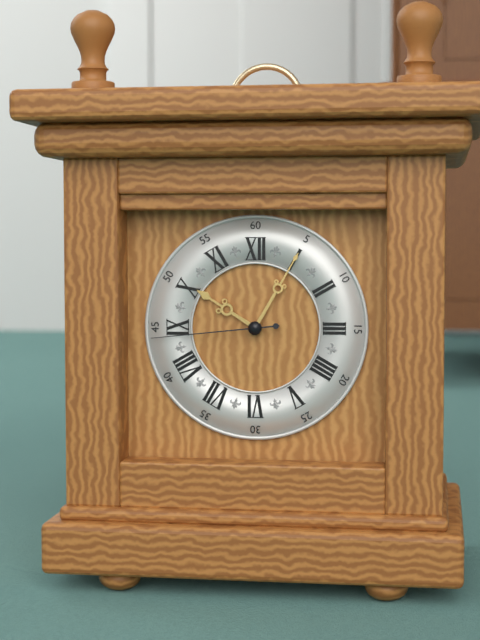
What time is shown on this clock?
10:05:44
